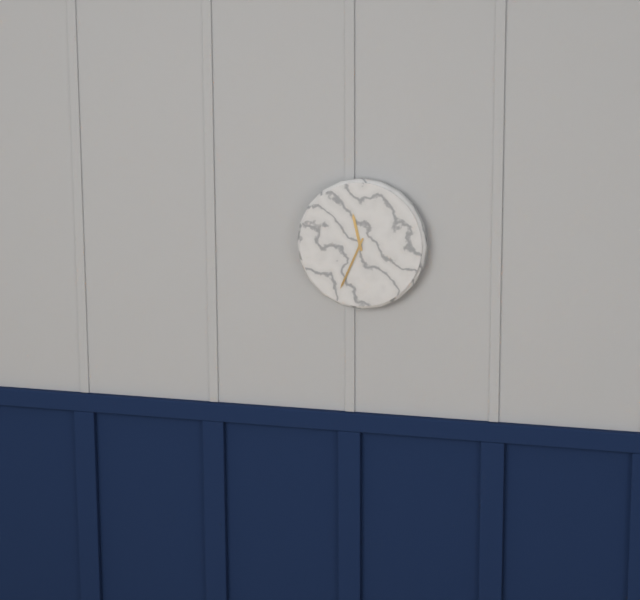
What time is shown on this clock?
11:34
